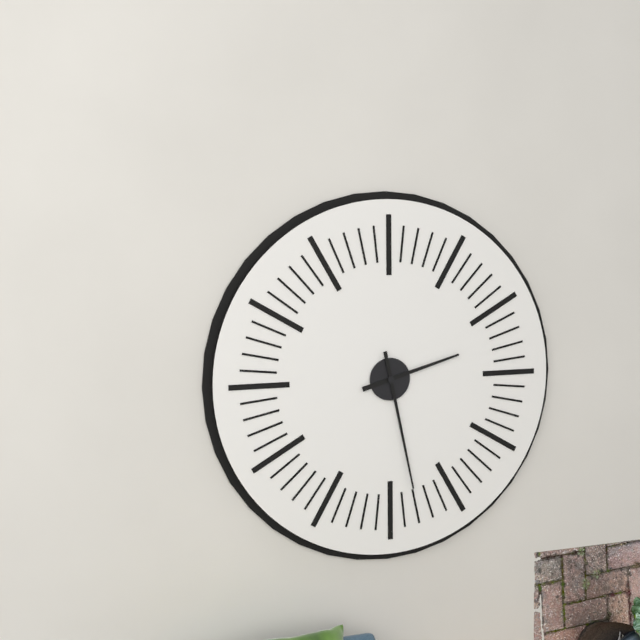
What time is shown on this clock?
2:28
